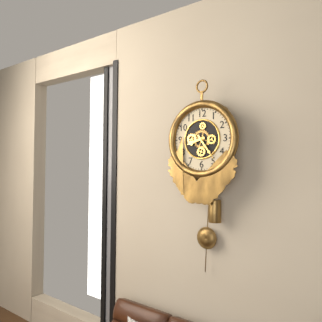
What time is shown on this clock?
8:24
